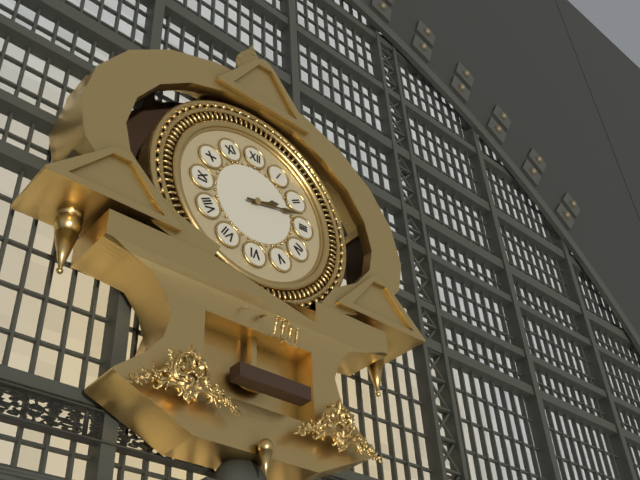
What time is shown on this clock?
2:13
